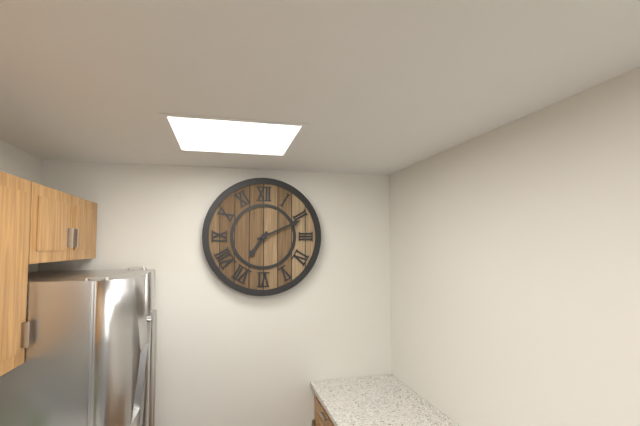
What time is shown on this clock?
7:11
